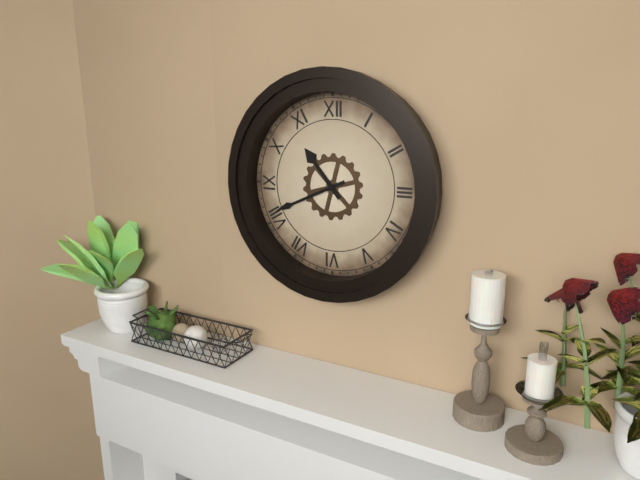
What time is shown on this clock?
10:41
